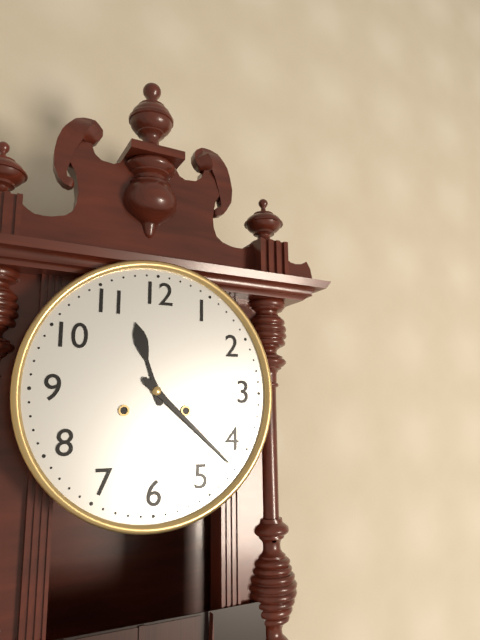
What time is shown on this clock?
11:22
